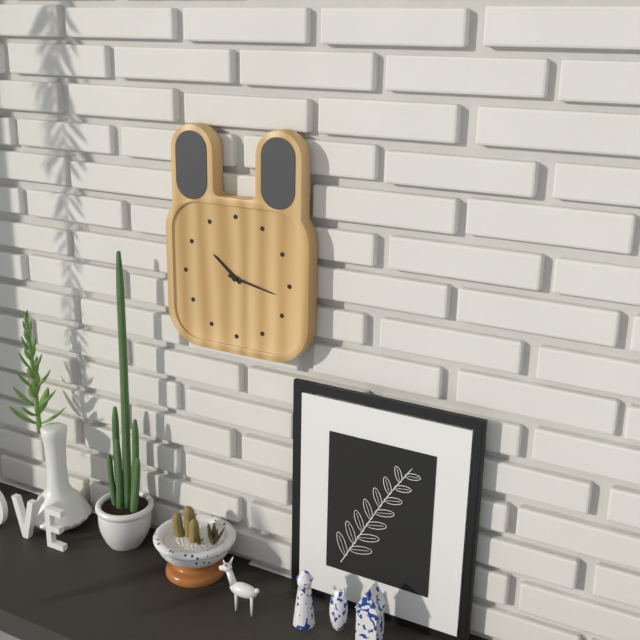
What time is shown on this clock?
10:17
